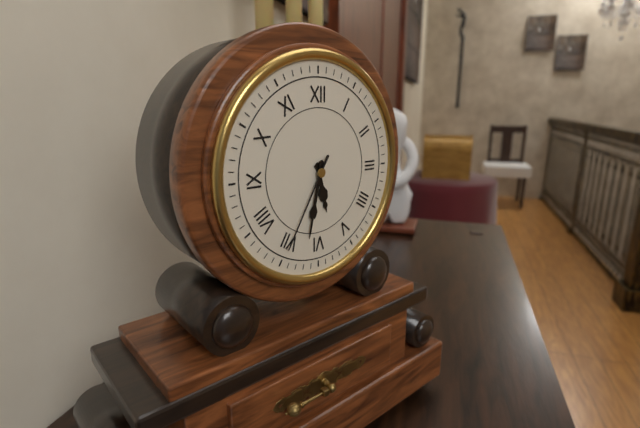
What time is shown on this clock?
5:32:35
